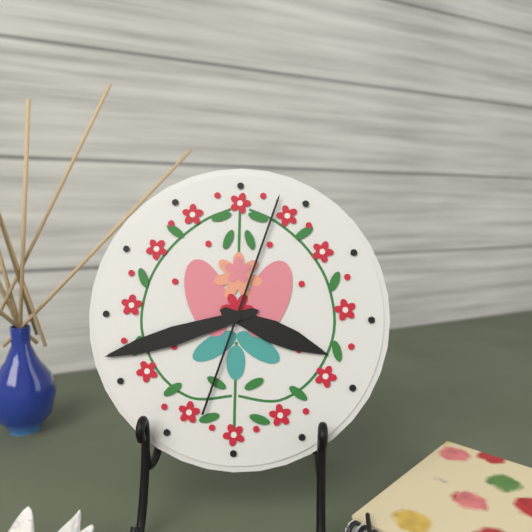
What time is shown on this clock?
3:42:03
